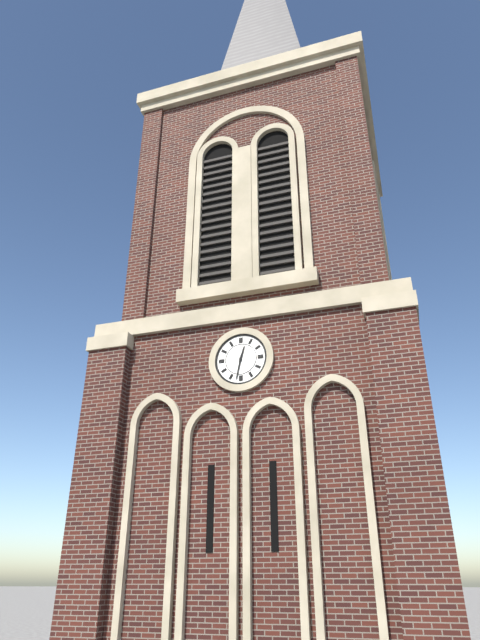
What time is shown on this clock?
12:32
